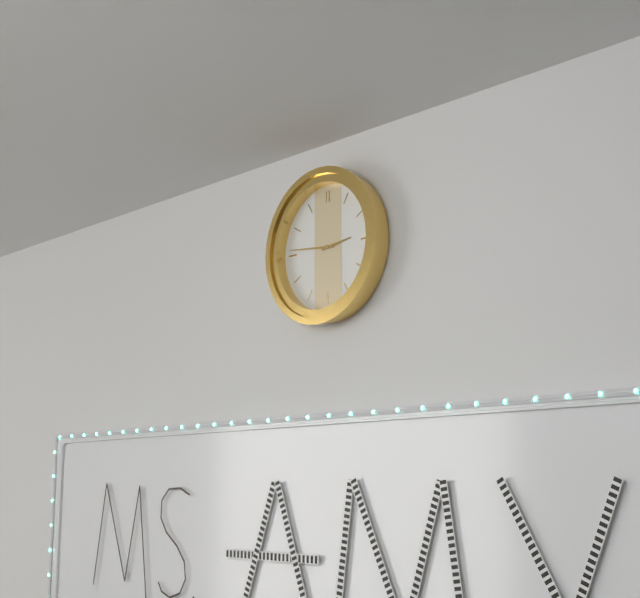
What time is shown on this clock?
2:46
